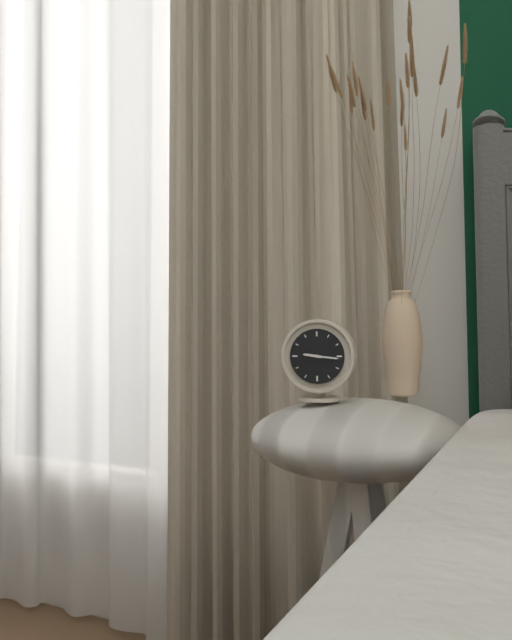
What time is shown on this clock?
9:16
